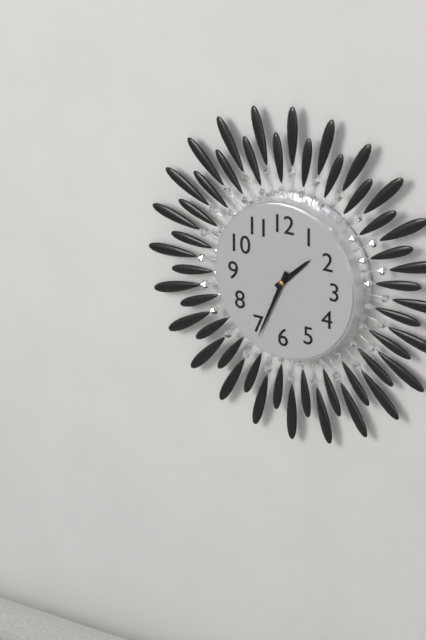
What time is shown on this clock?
1:34
